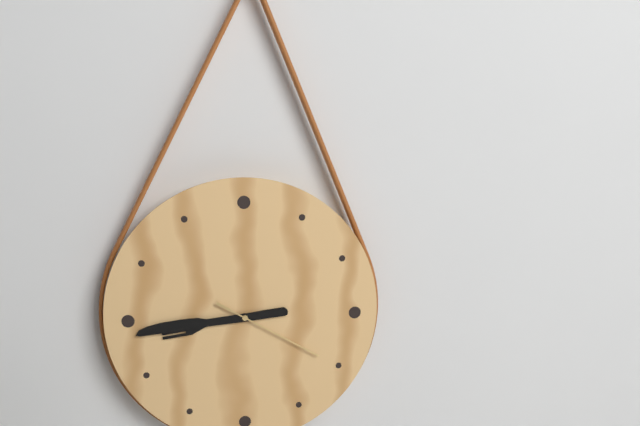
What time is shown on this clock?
8:44:20
